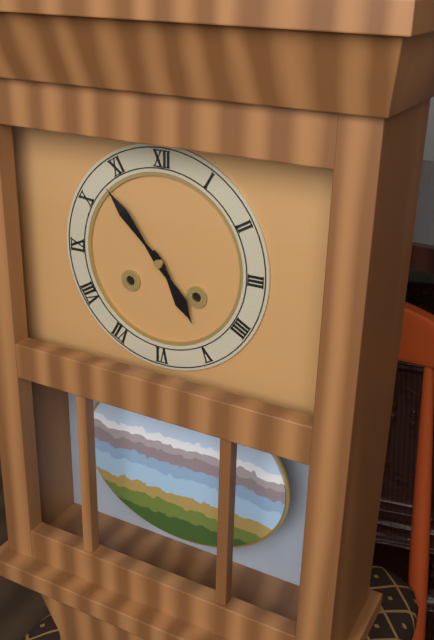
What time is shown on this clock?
4:53
